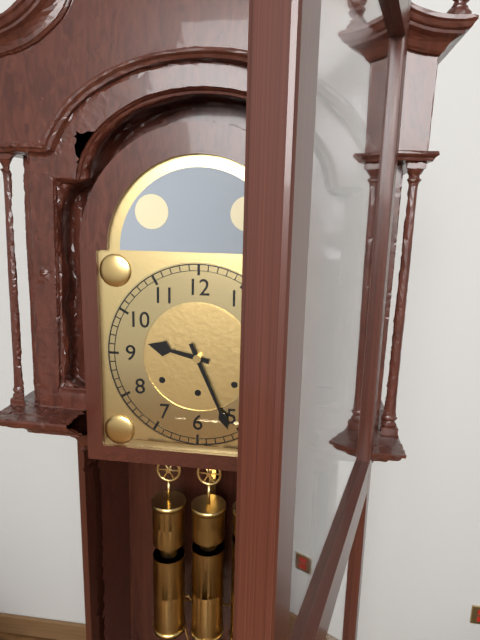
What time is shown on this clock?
9:26
